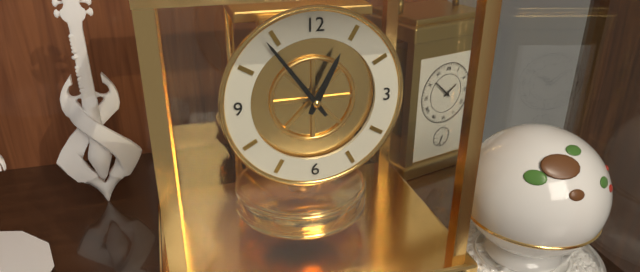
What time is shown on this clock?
12:54
